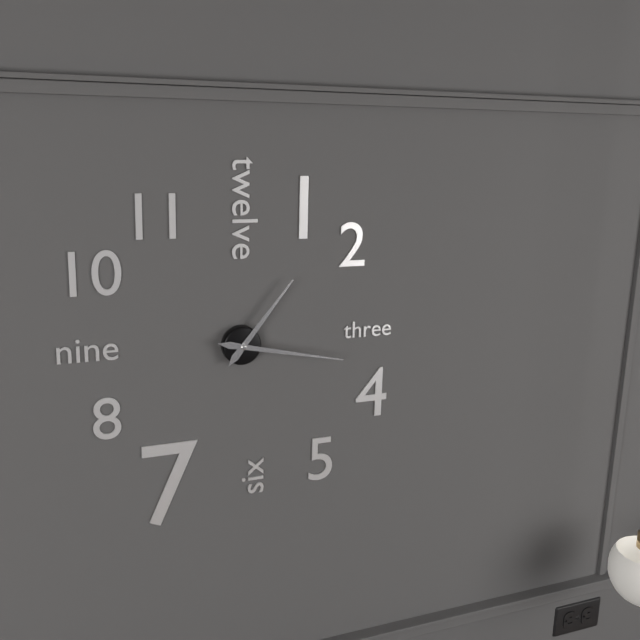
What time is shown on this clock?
1:17
